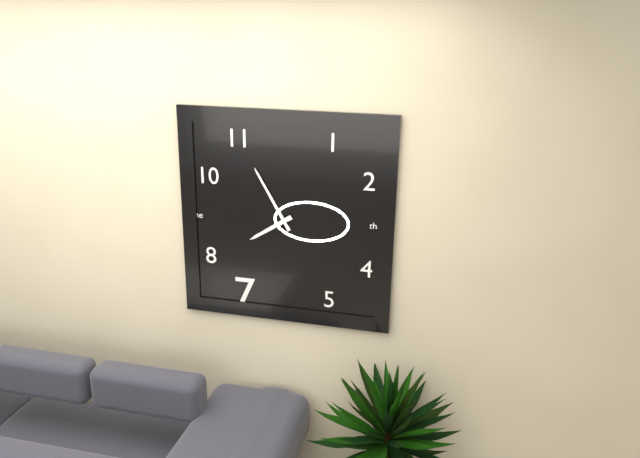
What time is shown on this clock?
7:55
